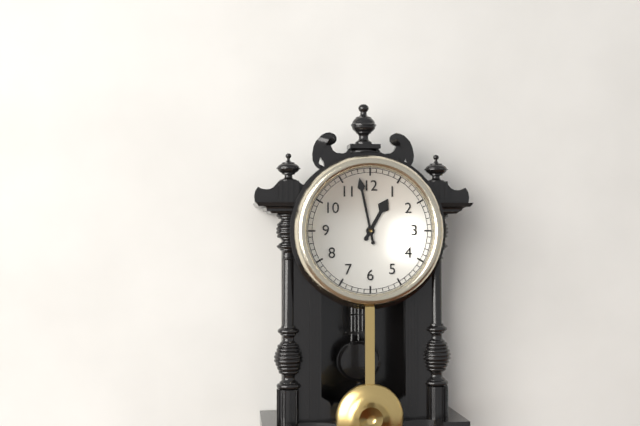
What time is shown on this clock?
12:58
